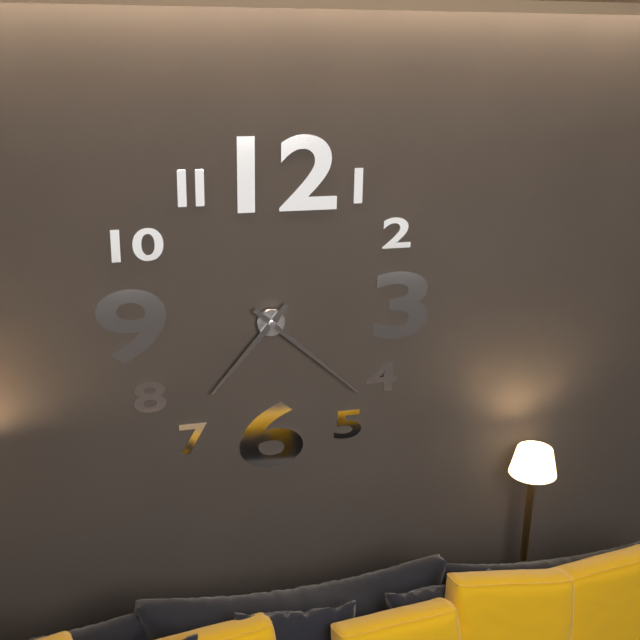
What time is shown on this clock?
7:22
